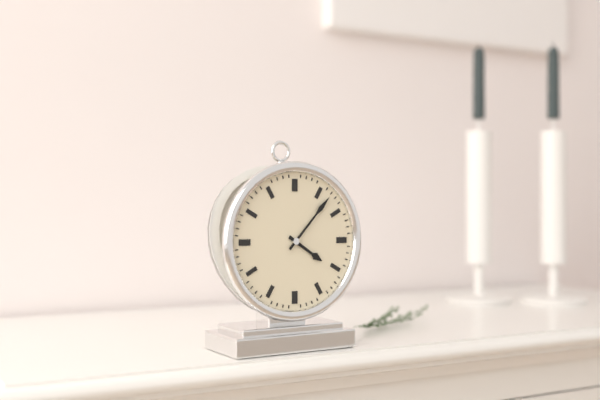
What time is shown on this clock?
4:07
